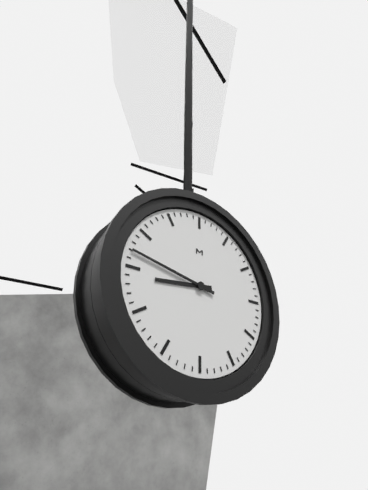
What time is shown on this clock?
8:47
